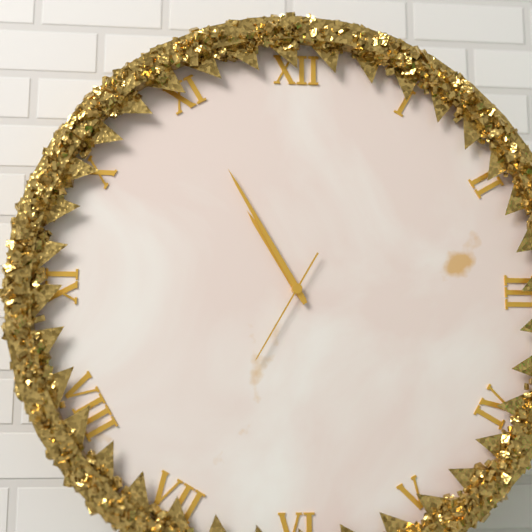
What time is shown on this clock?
10:55:35
